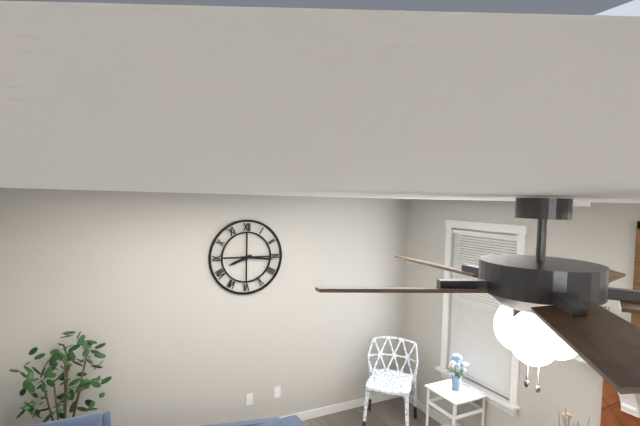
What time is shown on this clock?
8:16
